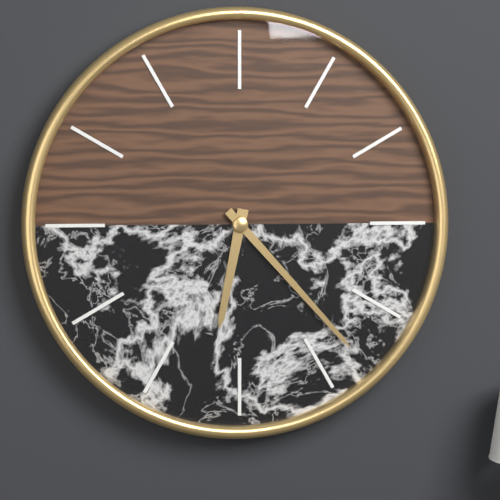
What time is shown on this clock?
6:23
